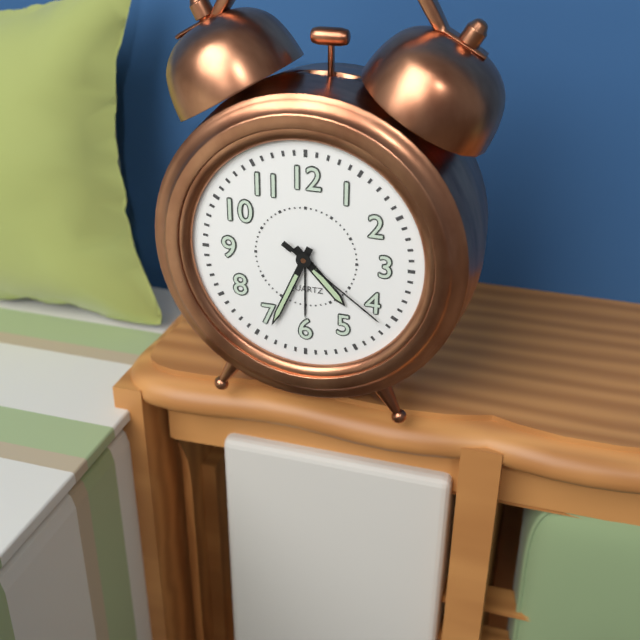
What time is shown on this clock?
4:34:21
